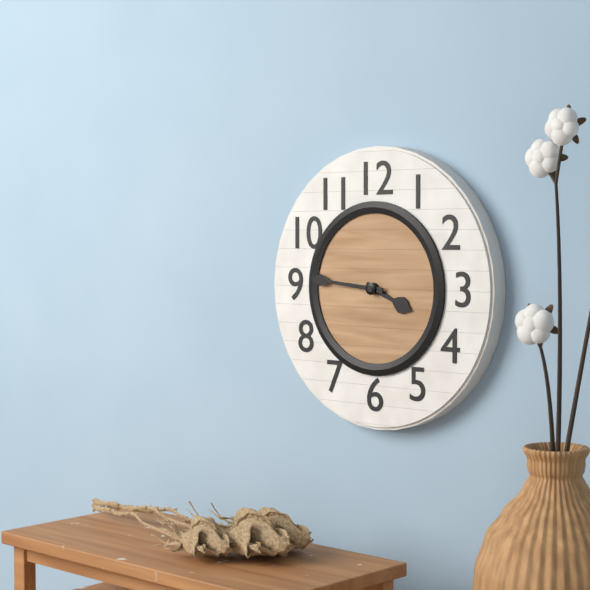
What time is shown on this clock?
3:46
